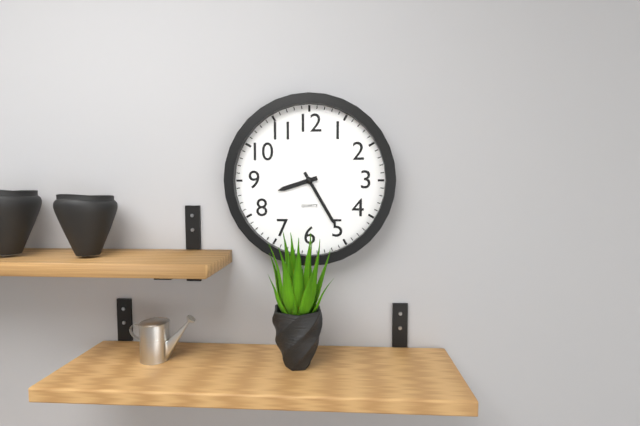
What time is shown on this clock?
8:25
